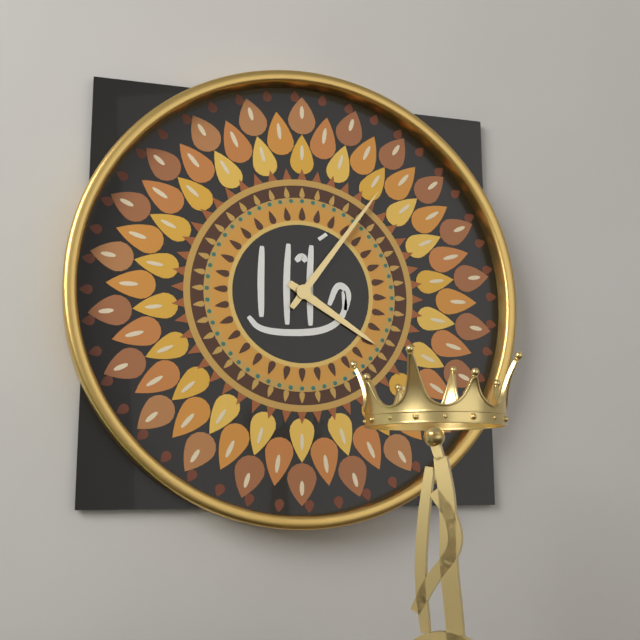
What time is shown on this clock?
4:06
